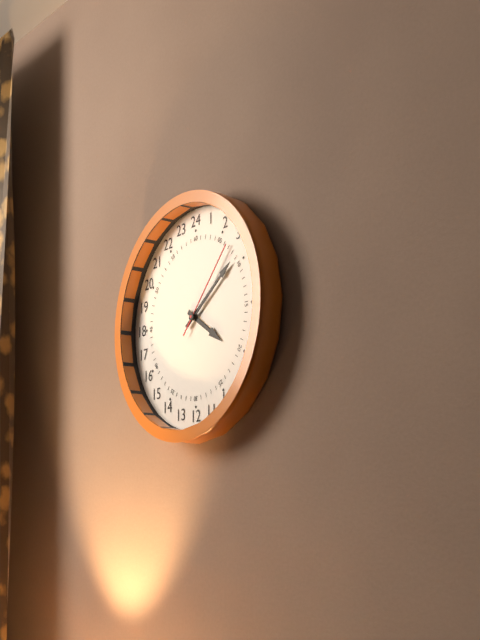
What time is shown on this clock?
4:09:07
